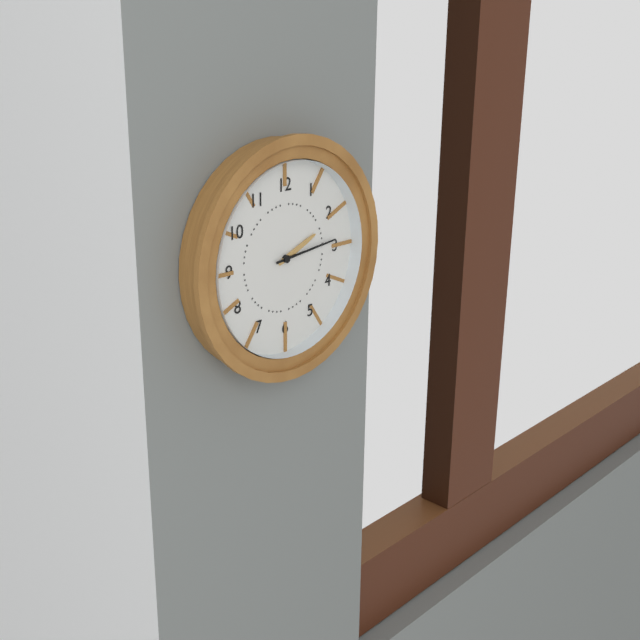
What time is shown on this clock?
2:14
